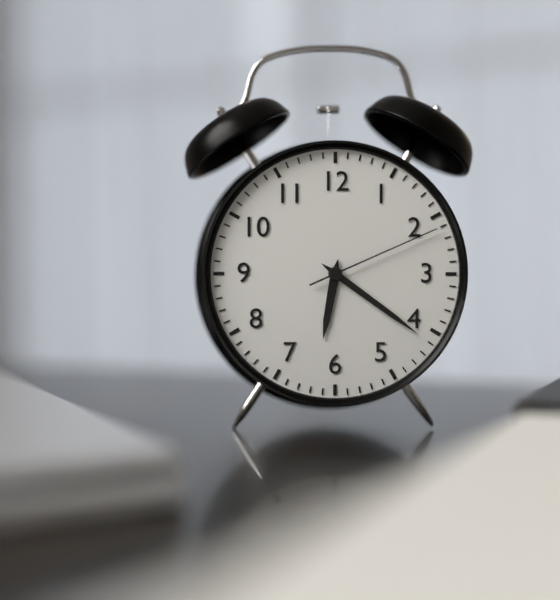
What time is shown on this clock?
6:21:11
